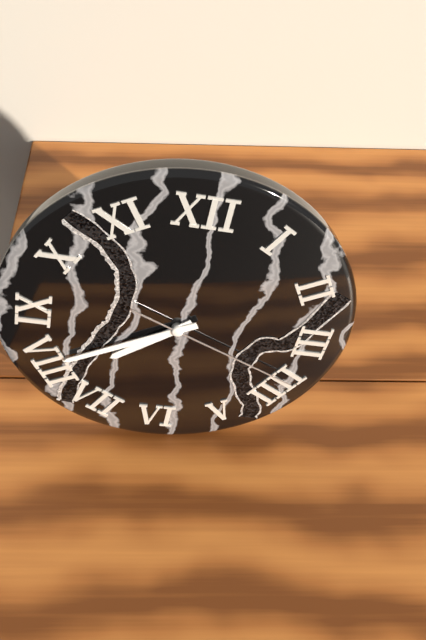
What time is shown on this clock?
7:40:19
